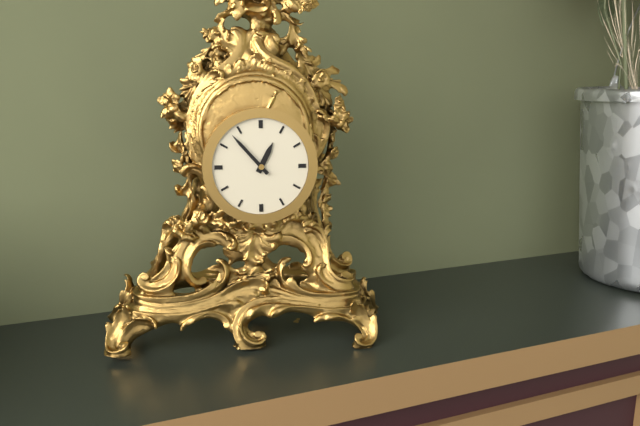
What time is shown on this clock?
12:53
